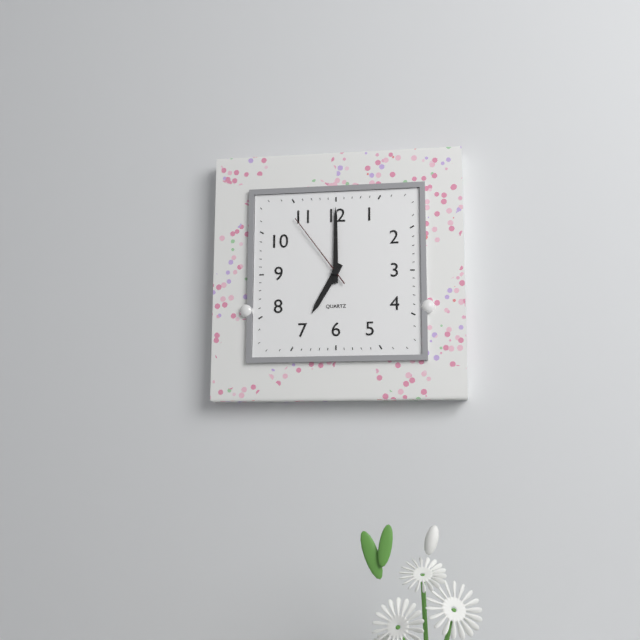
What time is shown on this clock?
7:00:54
